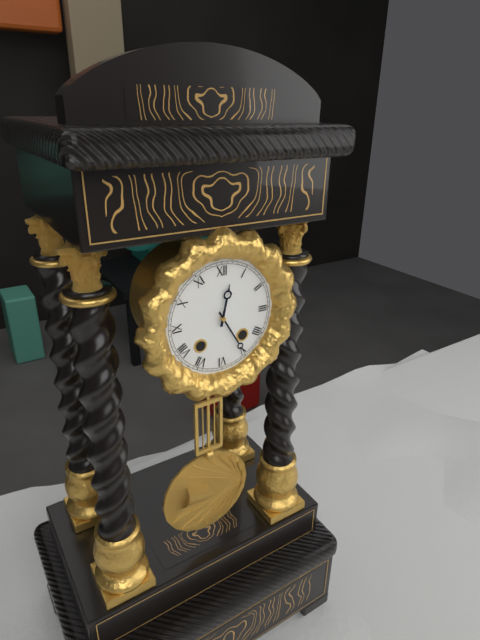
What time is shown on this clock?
12:25
